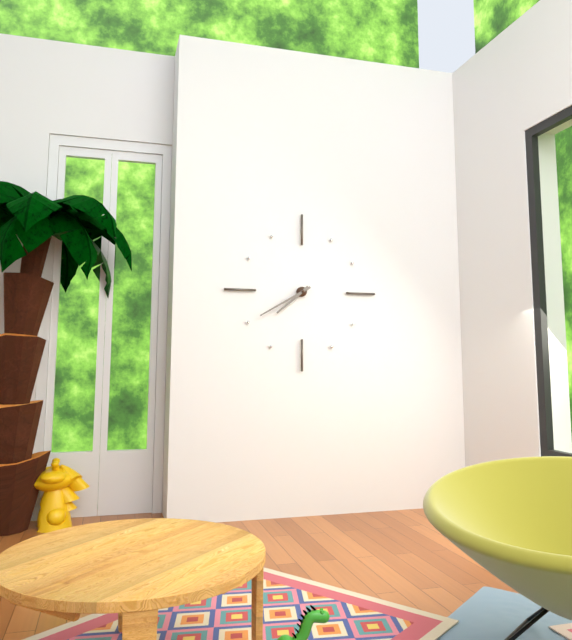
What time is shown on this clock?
7:40
